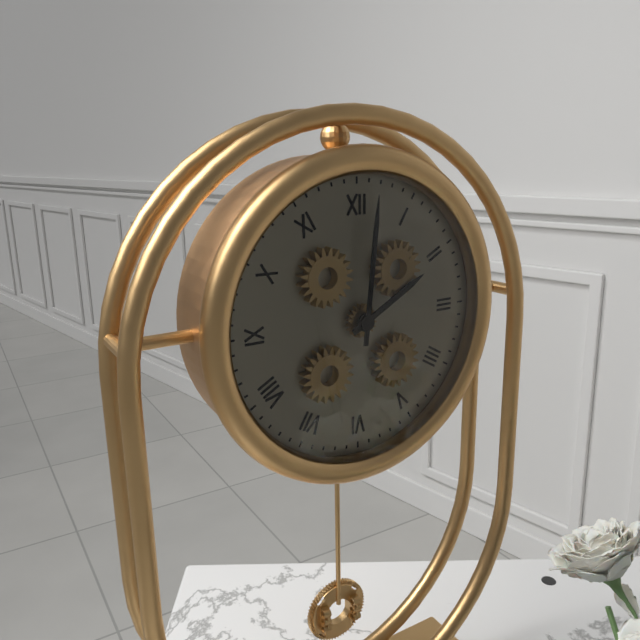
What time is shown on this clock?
2:01
